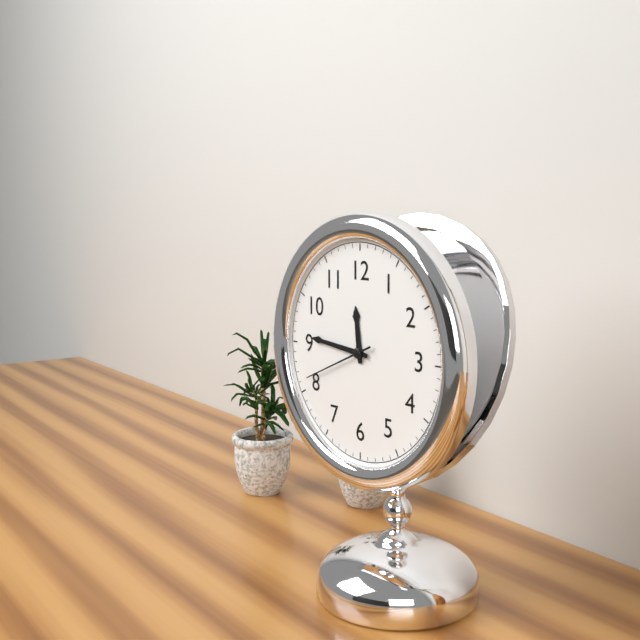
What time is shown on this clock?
11:46:41
